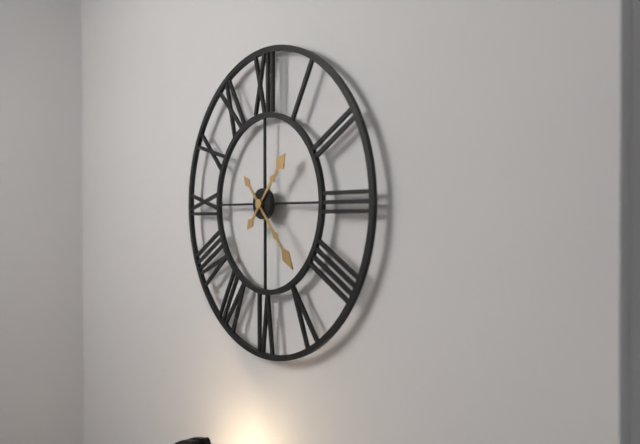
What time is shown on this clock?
1:23
